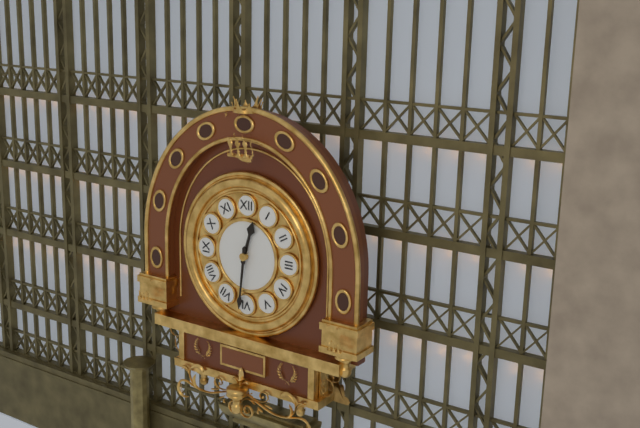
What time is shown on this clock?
12:31
